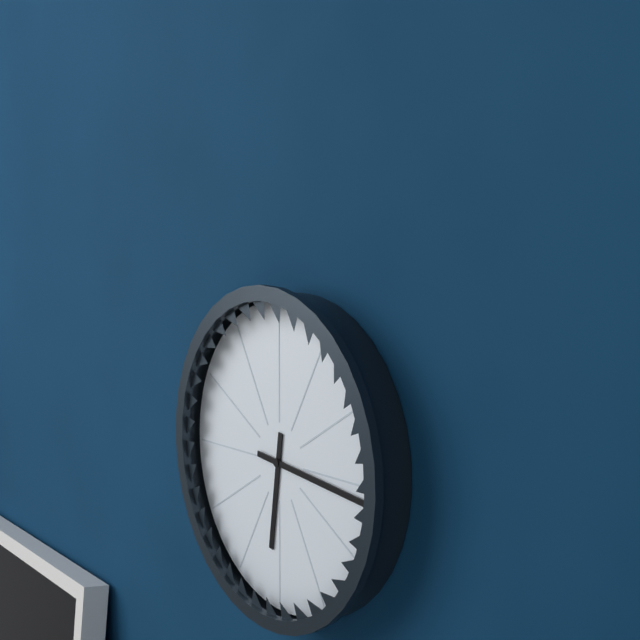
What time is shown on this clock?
6:16
